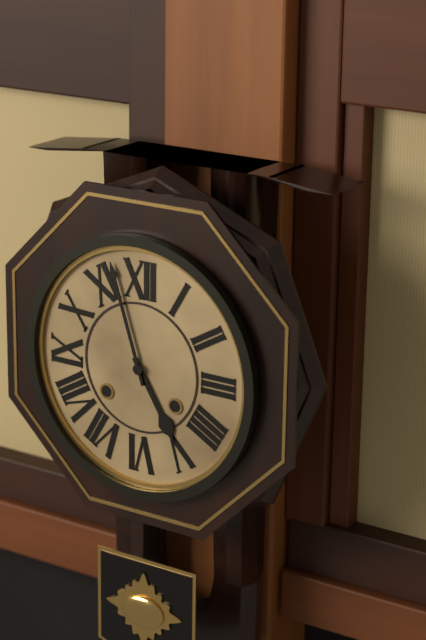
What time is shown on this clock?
4:57
